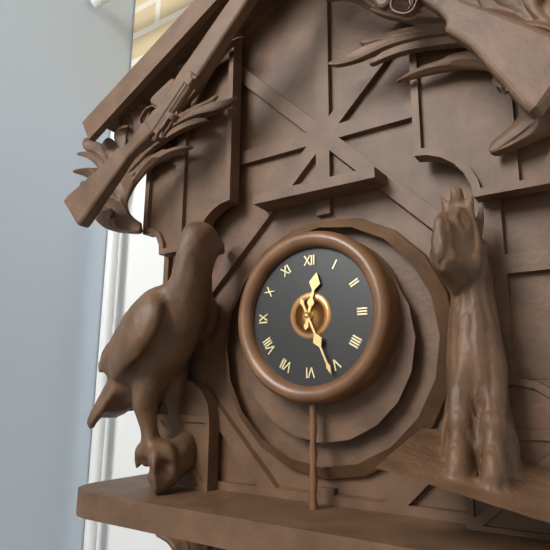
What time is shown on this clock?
12:26
